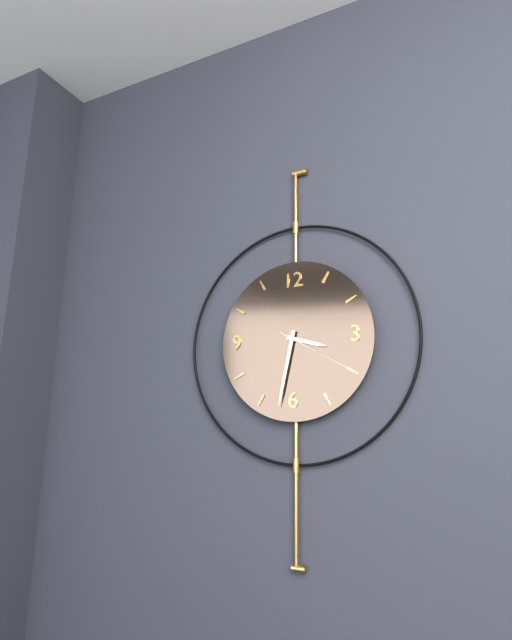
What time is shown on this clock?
3:32:20
